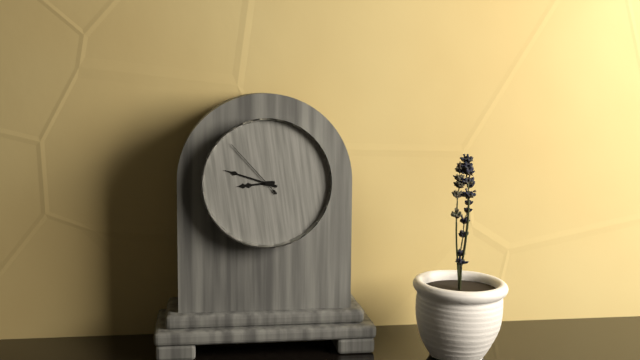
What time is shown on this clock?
8:48:53
